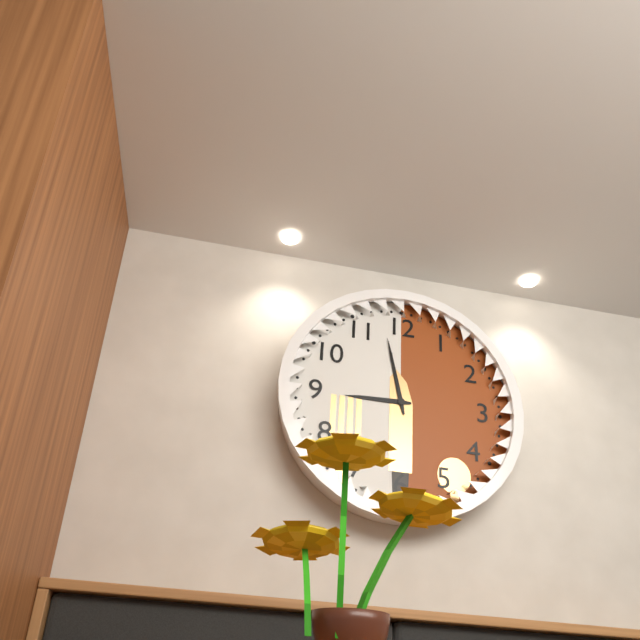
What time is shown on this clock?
8:58
